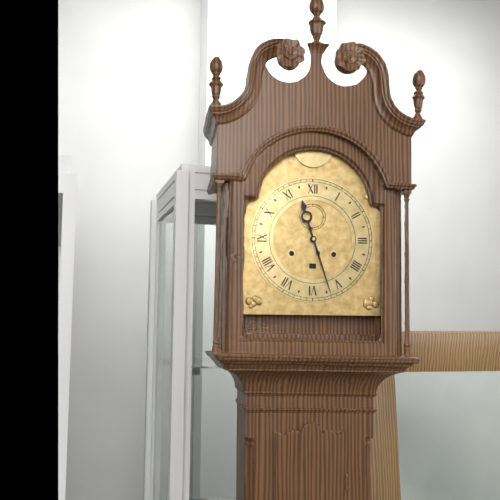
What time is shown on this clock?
11:27
